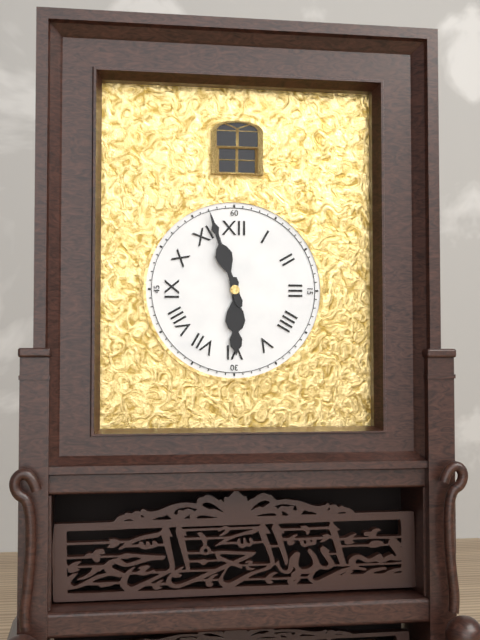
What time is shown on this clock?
5:57
